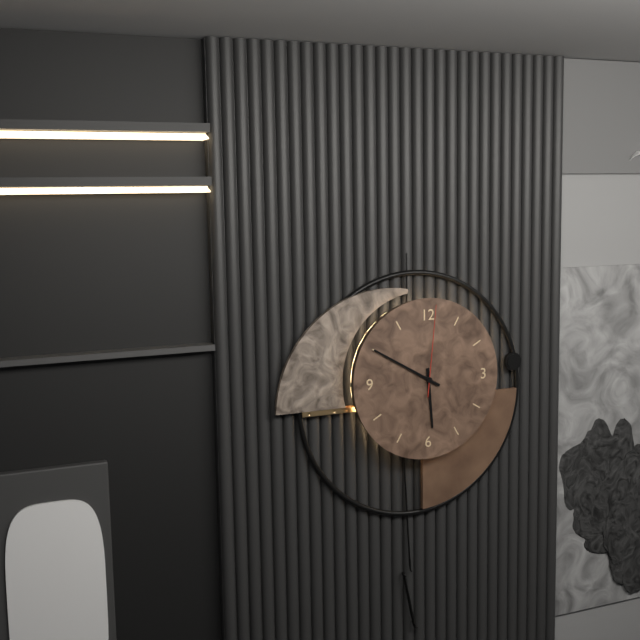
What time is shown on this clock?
5:50:01
